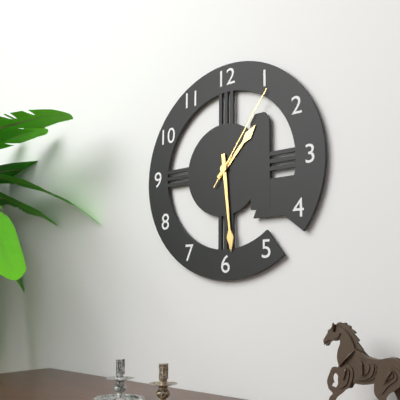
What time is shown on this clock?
1:29:06
